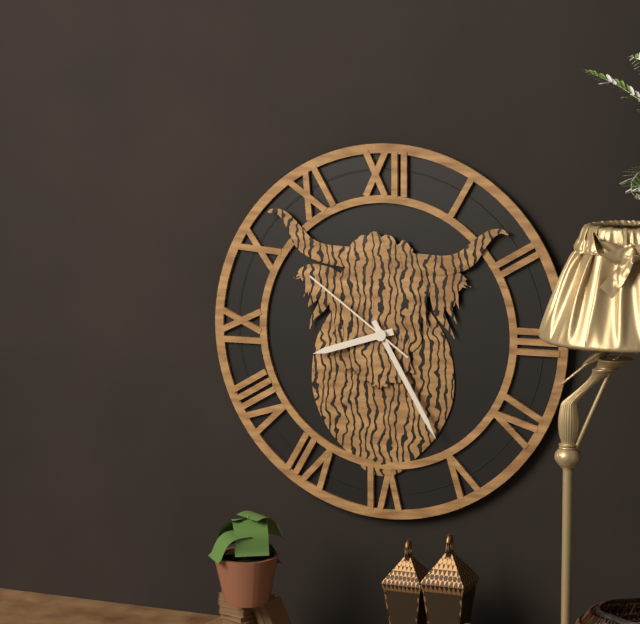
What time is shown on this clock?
8:25:51
